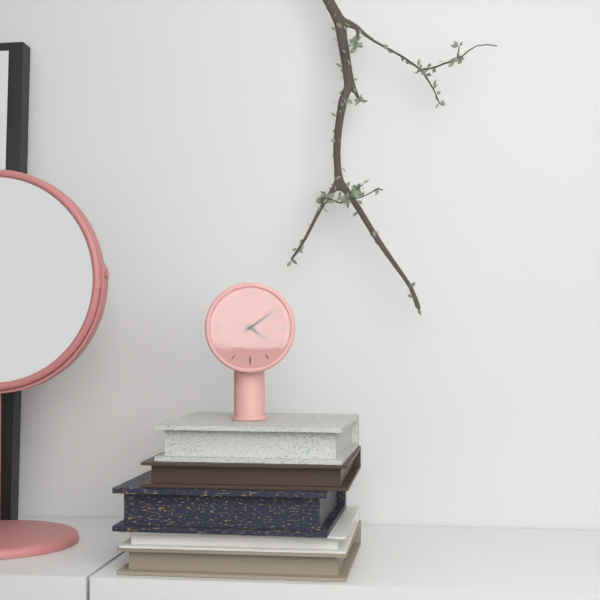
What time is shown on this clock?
4:09
